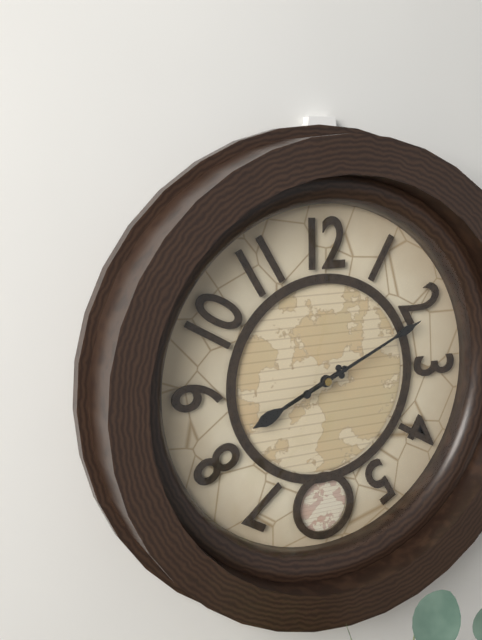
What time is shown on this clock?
8:11
